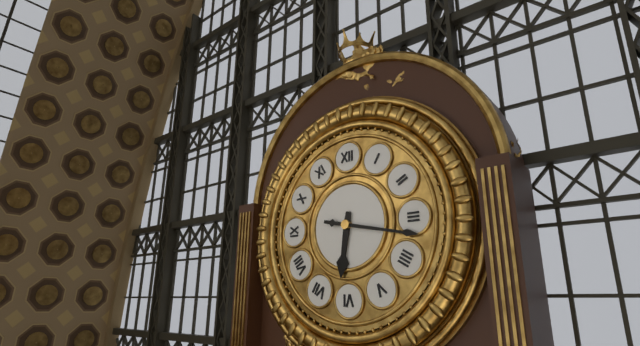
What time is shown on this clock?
6:17
